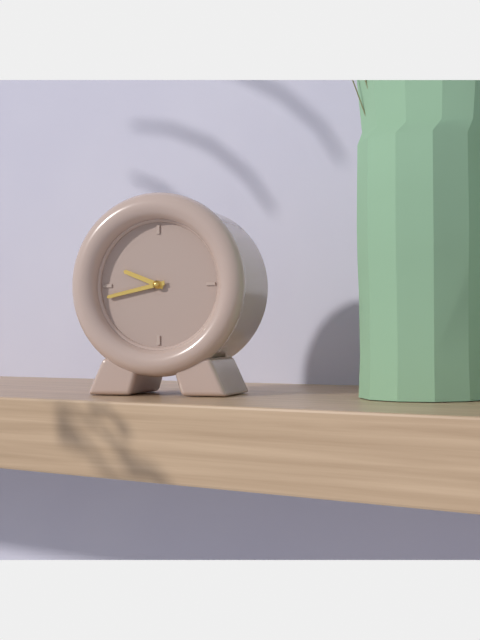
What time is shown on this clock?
9:43
